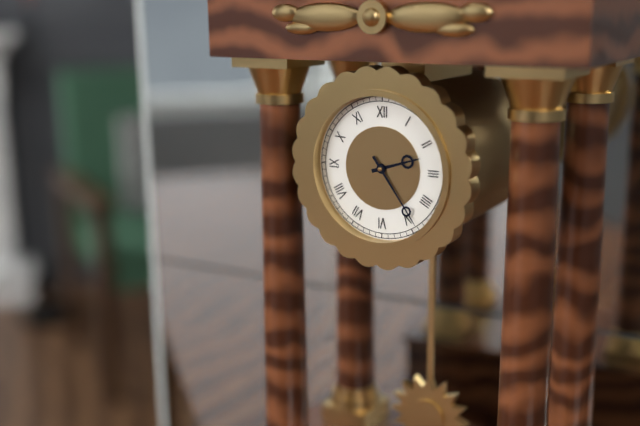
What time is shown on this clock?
2:24
